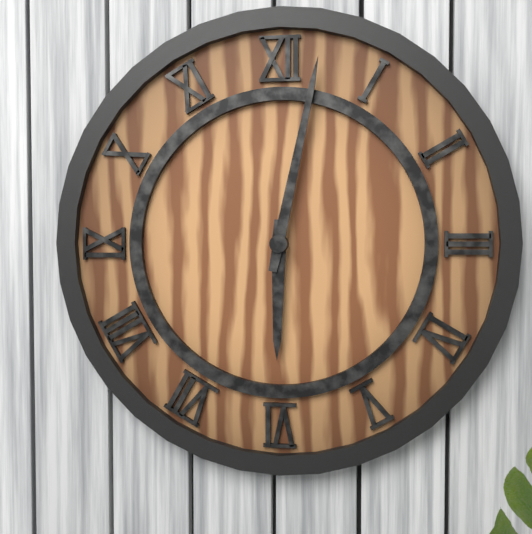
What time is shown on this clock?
6:02
